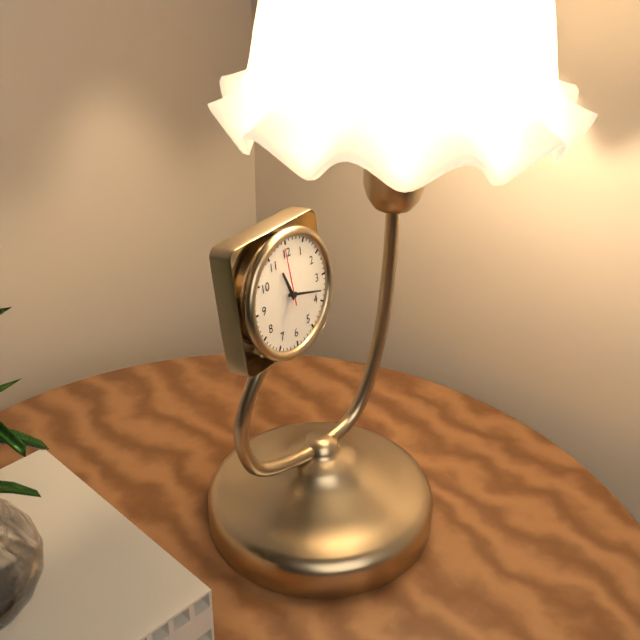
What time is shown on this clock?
11:18:59
